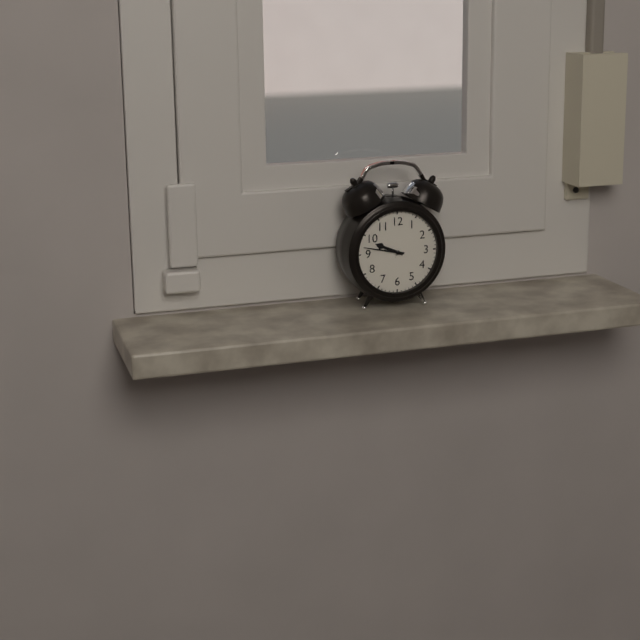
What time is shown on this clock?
9:47
